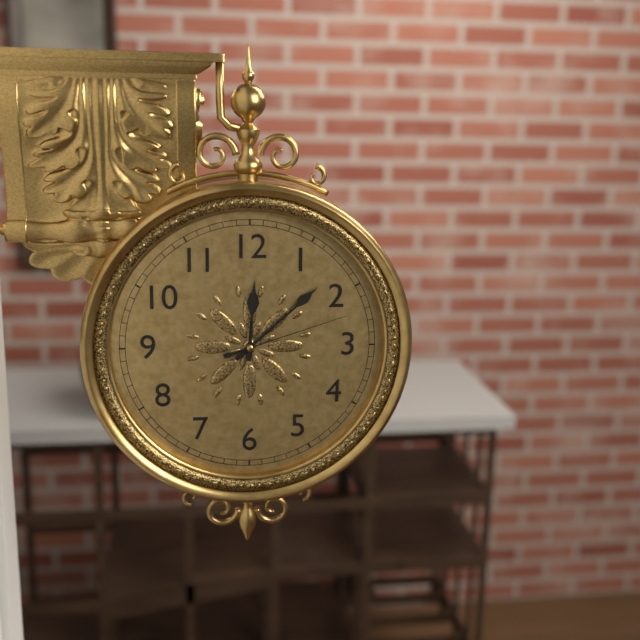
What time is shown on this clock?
12:08:12
